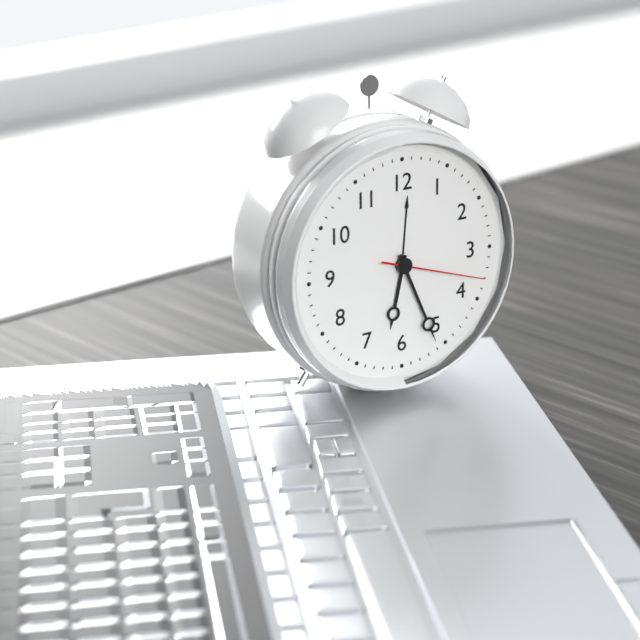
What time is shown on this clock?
6:26:18
